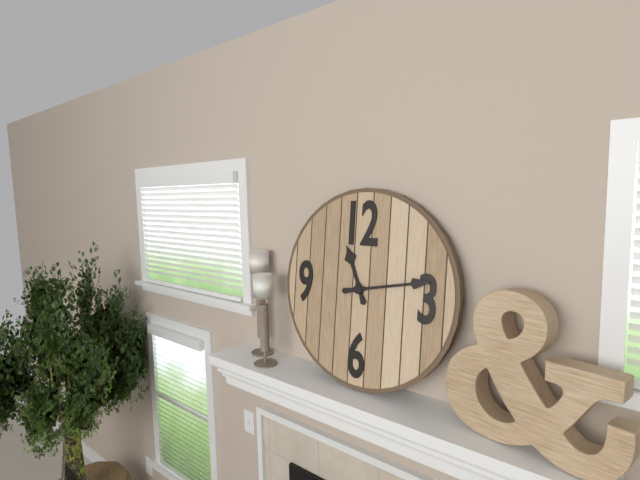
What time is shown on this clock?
11:13
